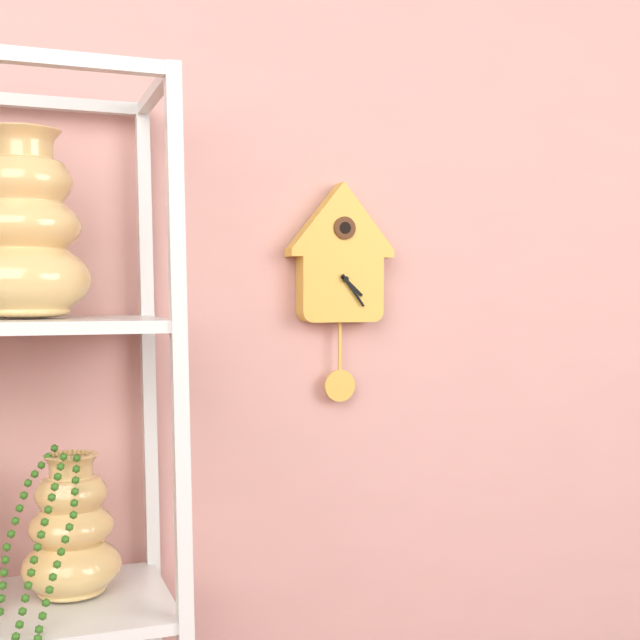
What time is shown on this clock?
4:24
